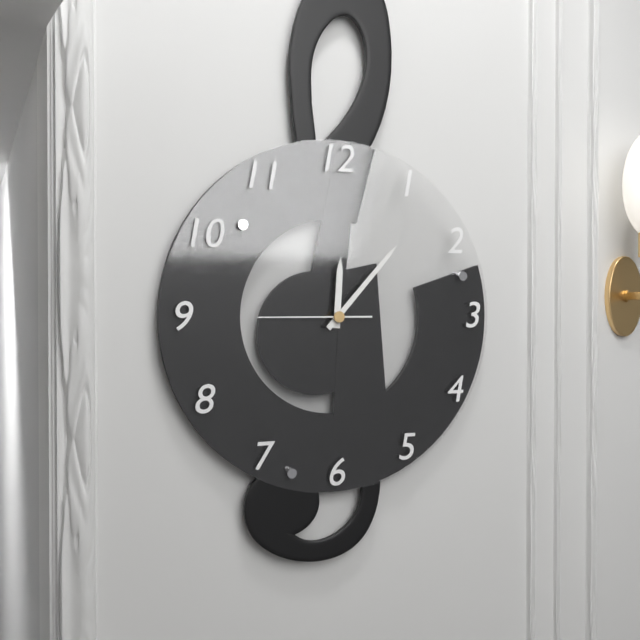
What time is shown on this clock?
12:07:45
